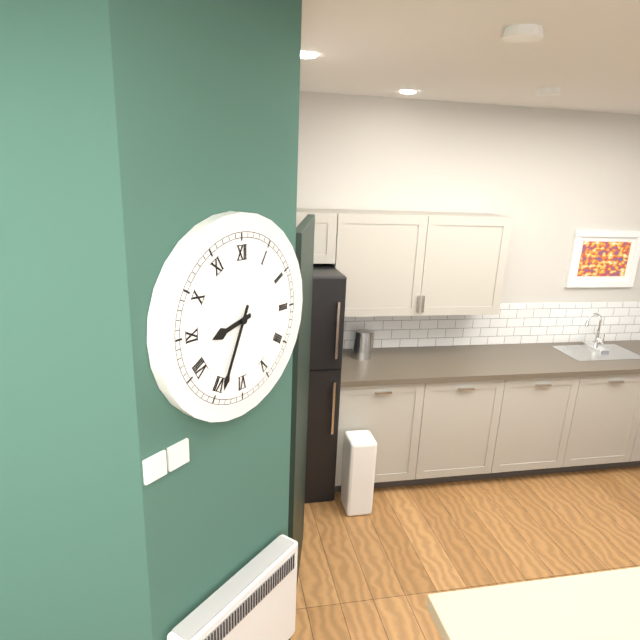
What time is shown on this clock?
8:34
